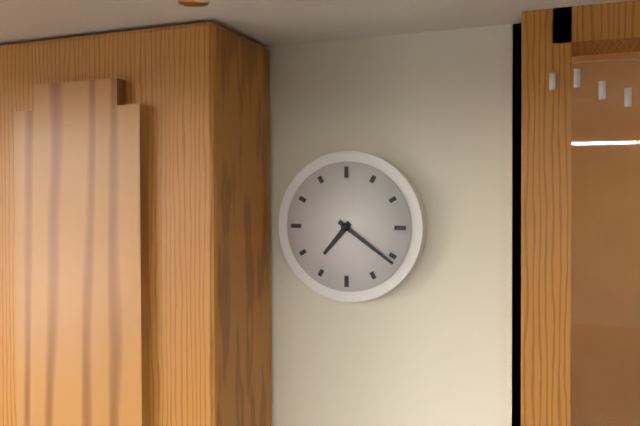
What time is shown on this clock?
7:21
